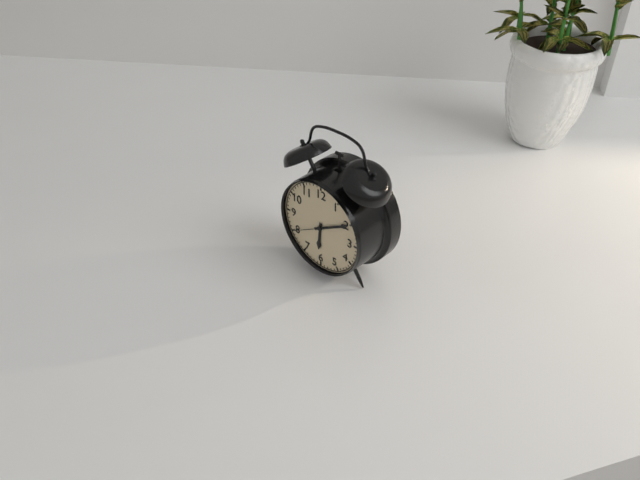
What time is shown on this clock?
6:10
